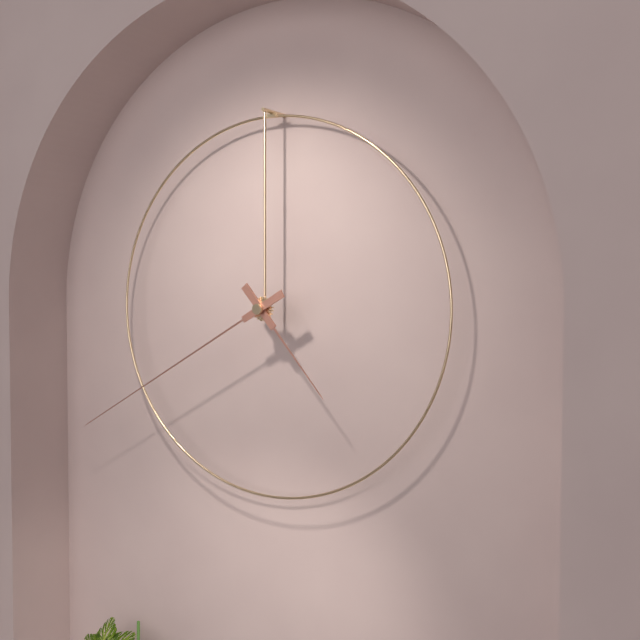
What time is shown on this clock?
4:40
